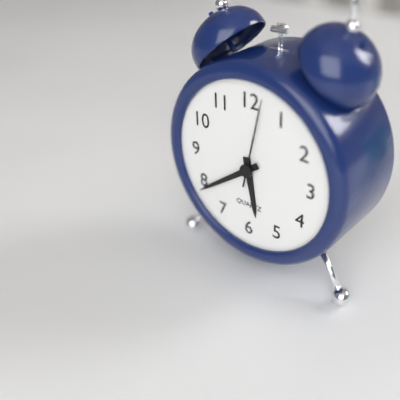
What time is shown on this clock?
5:39:02
